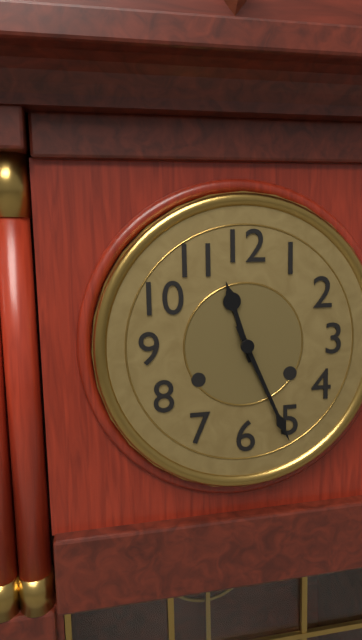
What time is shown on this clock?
11:26
